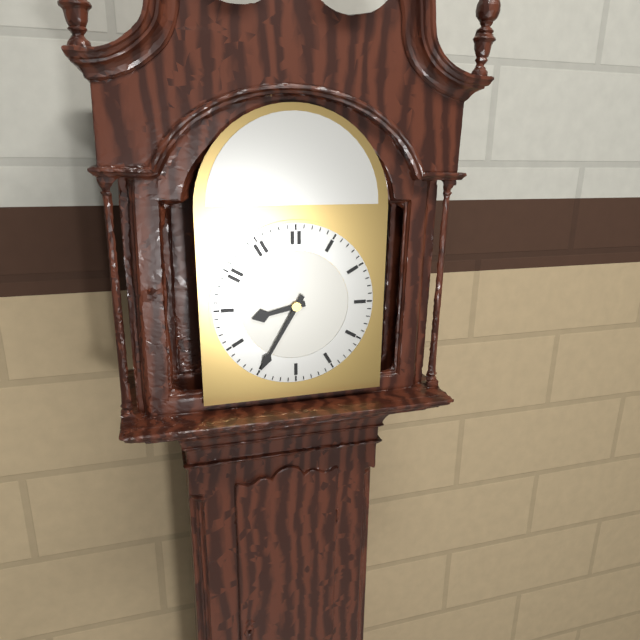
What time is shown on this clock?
8:35
